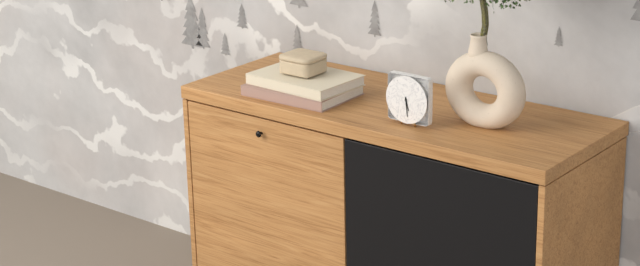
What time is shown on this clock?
5:29
